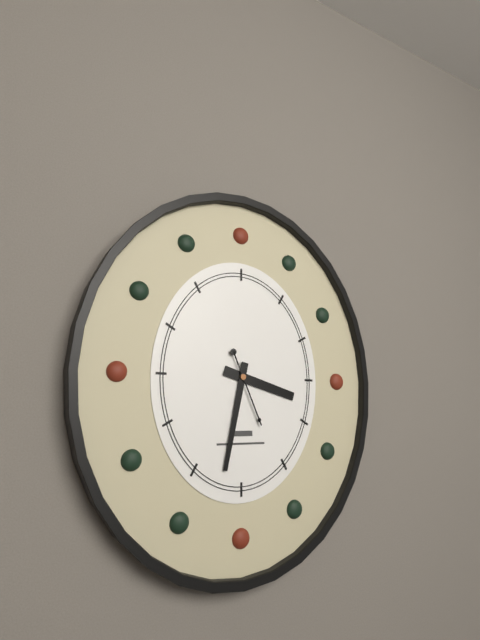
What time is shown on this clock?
3:32:26
